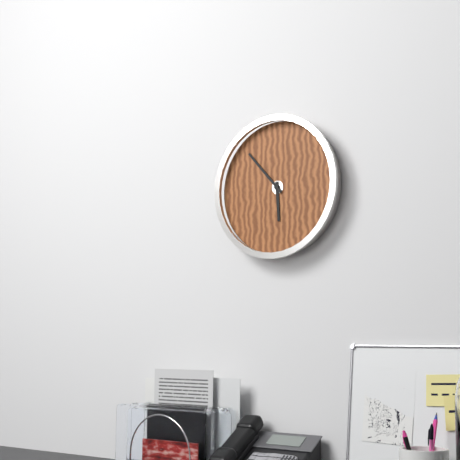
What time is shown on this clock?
5:53
